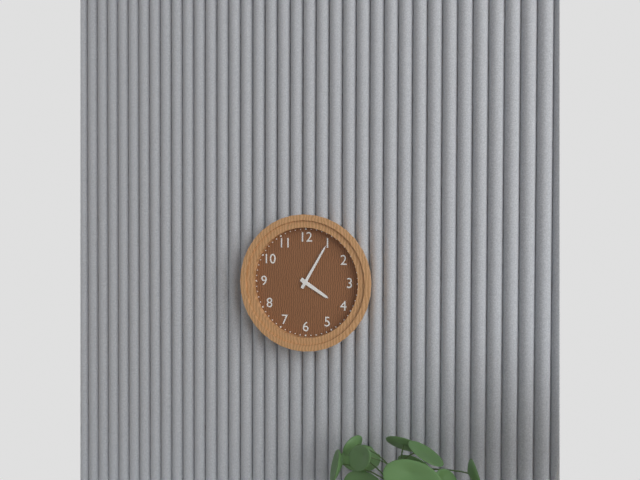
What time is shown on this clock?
4:05
